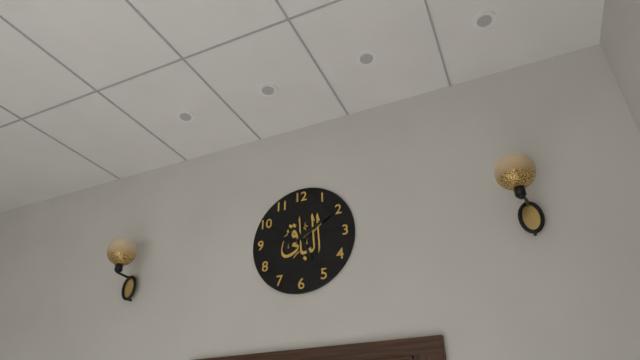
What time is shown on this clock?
5:10
